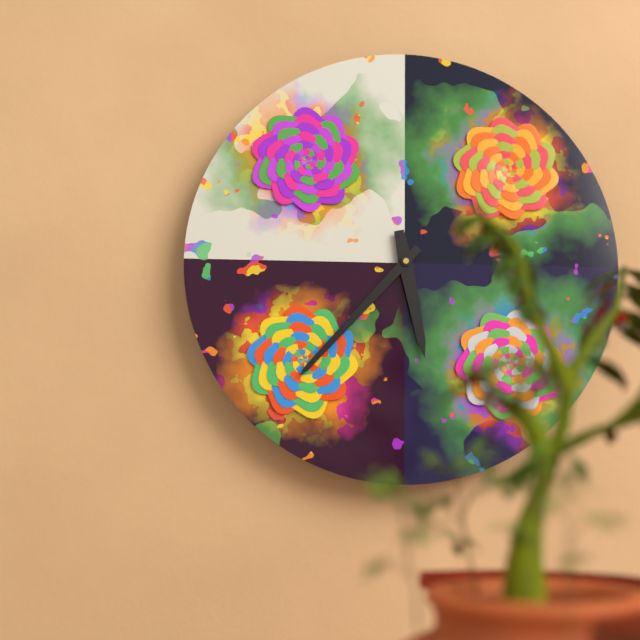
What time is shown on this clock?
5:37
